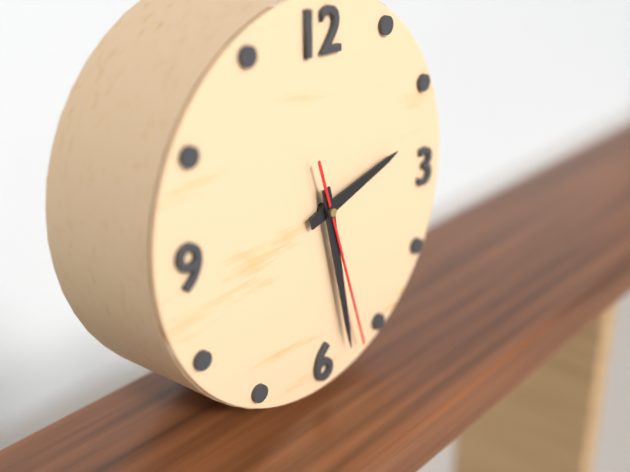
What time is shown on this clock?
2:28:27
